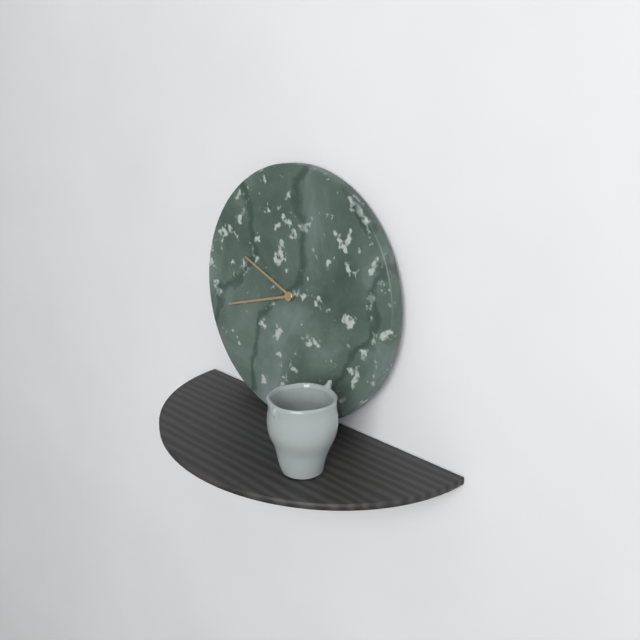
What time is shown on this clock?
9:42
